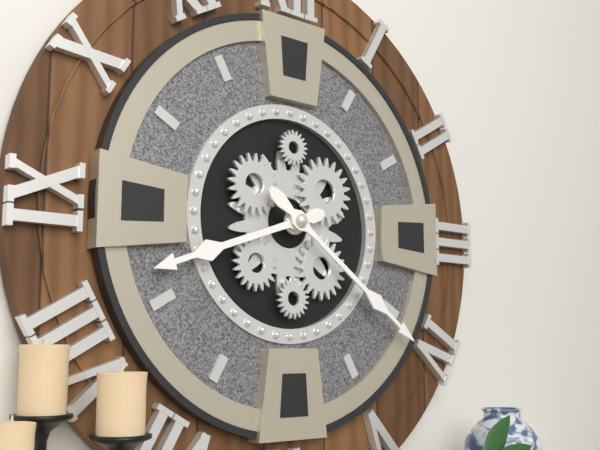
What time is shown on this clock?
8:21
